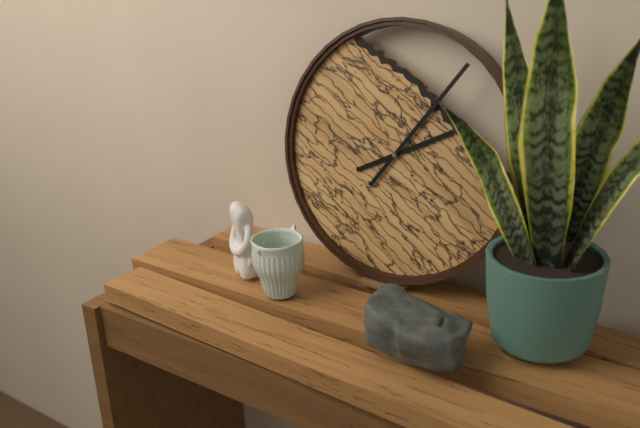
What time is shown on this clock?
2:06
